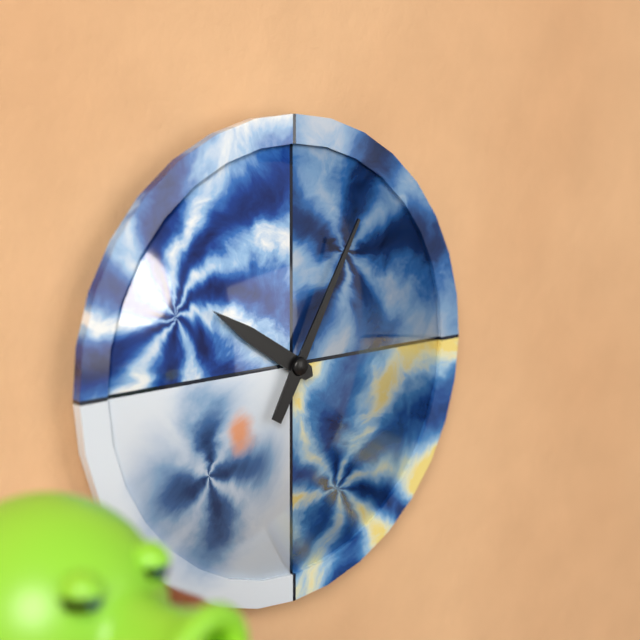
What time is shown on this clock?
10:05
